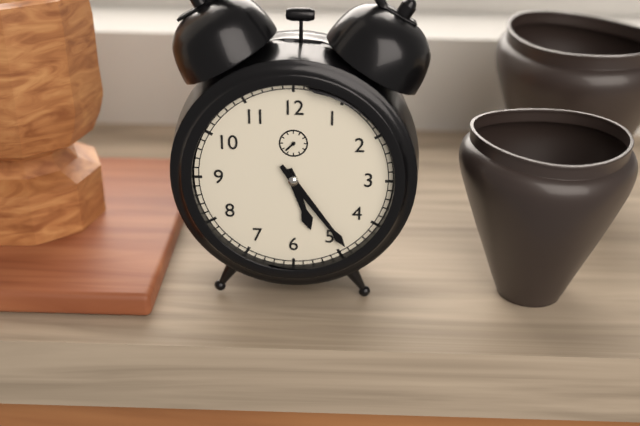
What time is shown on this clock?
5:24
